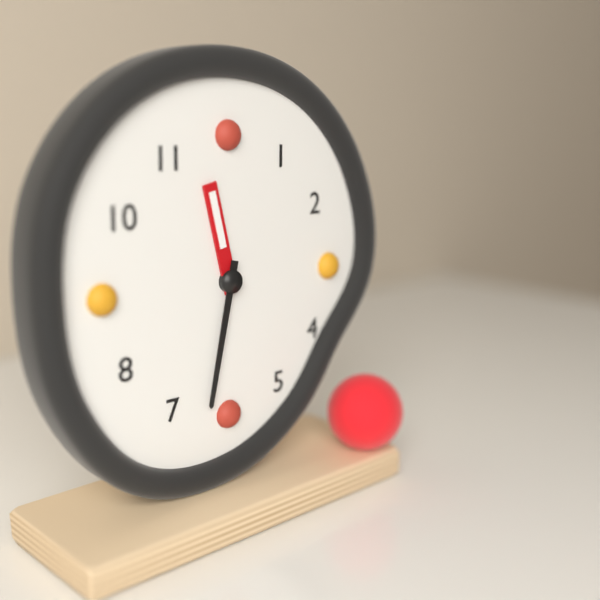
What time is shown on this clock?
11:32
